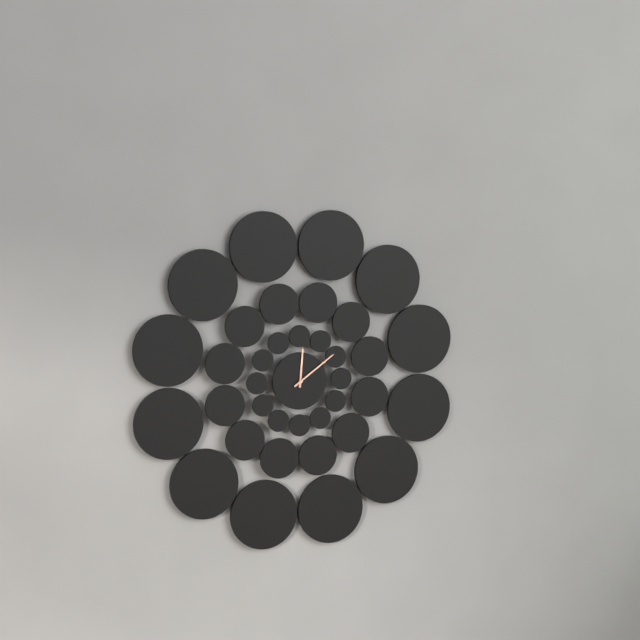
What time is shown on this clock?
12:09
